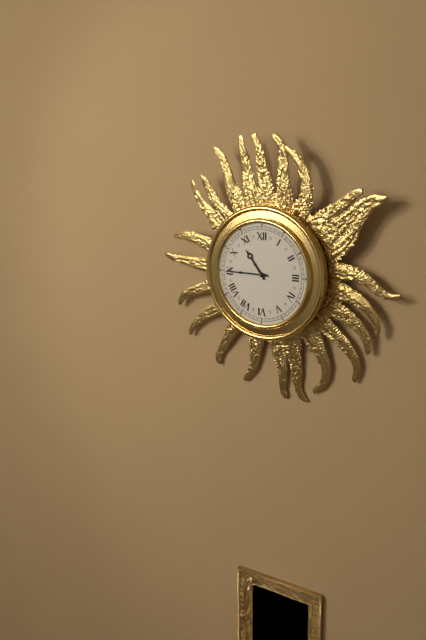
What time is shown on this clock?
10:45
